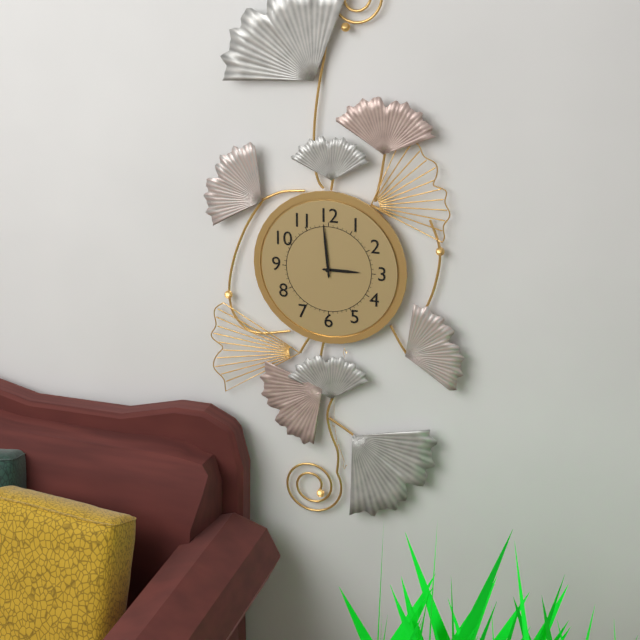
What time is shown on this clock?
2:59
